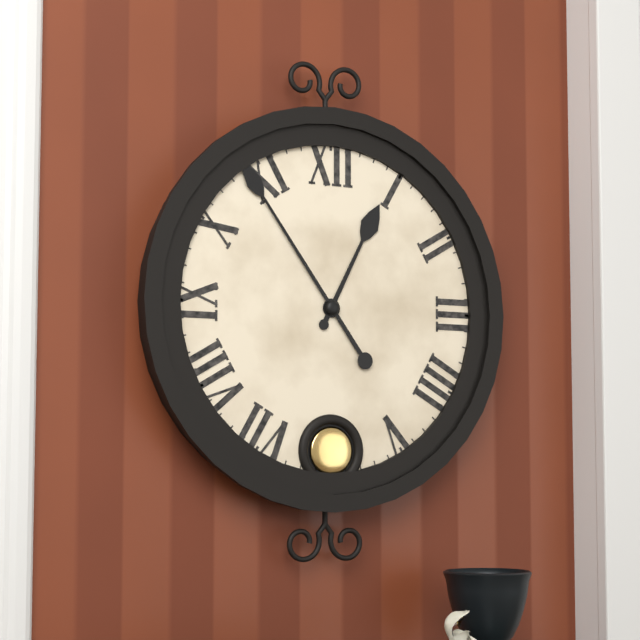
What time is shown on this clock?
12:54
